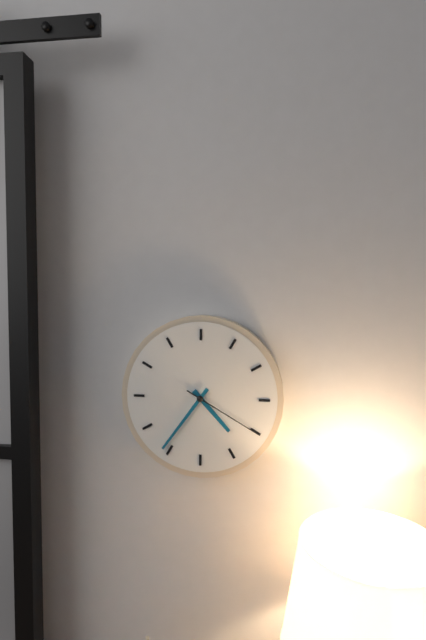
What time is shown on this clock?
4:36:20
